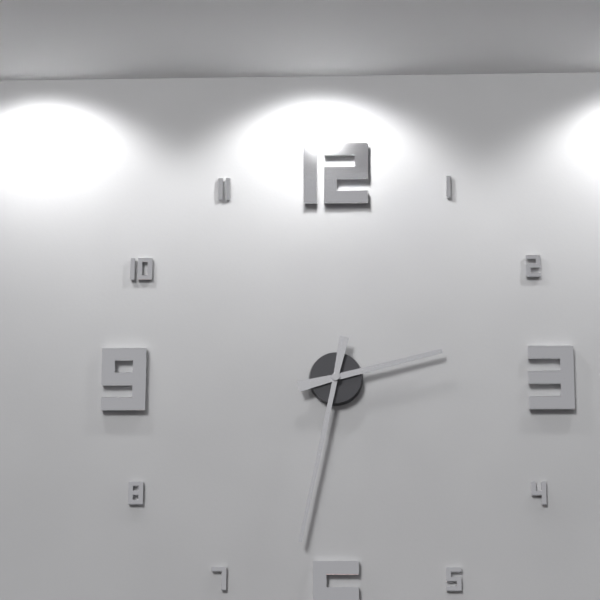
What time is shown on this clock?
2:32
